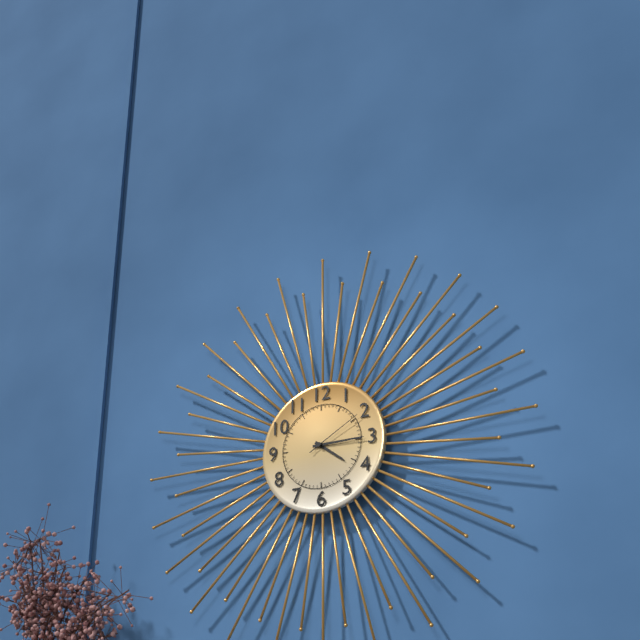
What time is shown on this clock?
4:15:10
